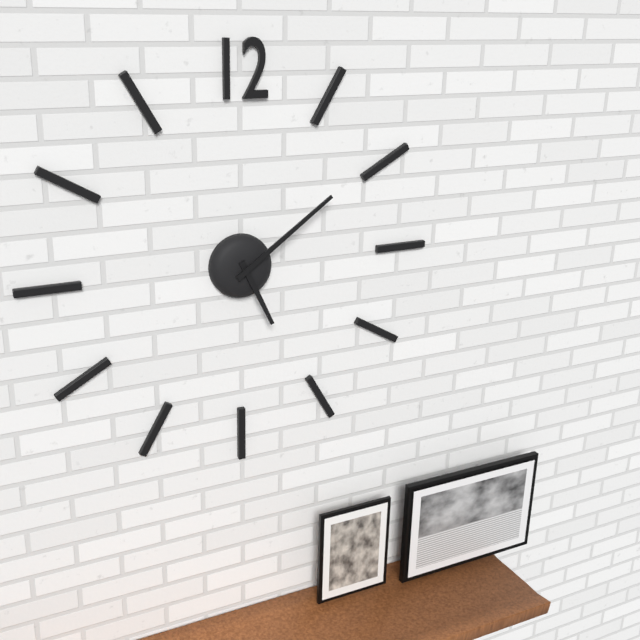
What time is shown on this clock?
5:09
